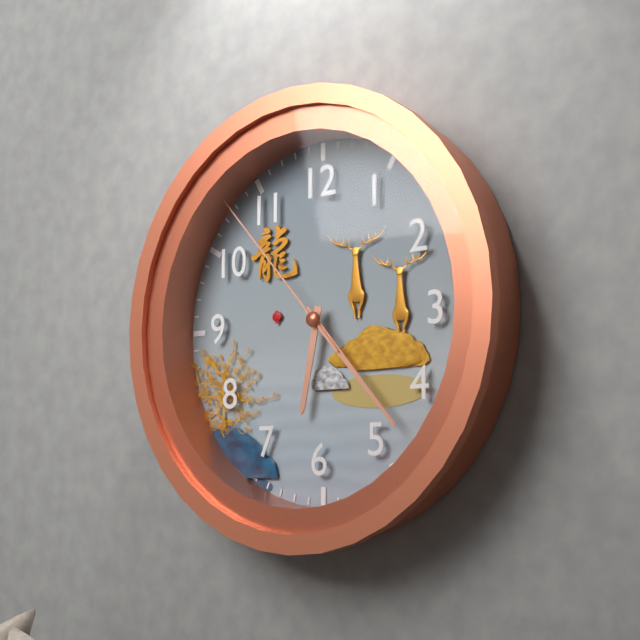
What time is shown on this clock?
6:23:53
